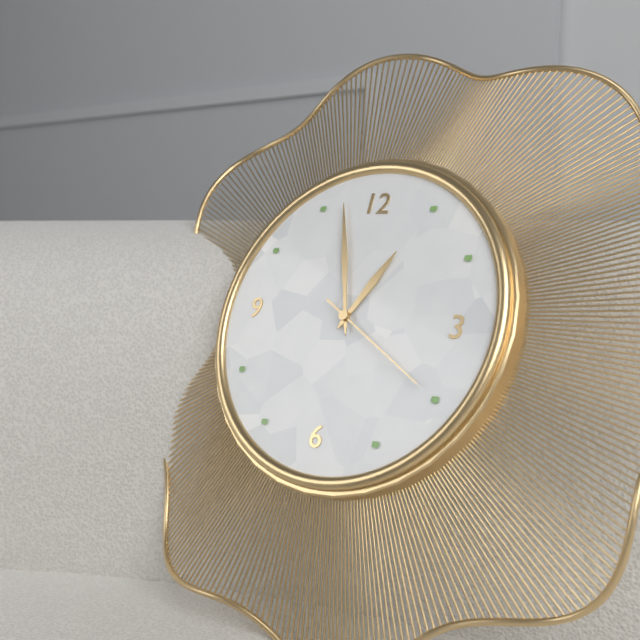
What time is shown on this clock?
12:57:20
